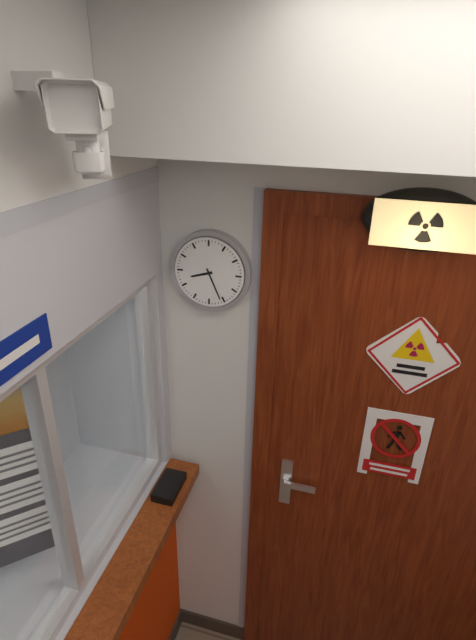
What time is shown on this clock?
8:26
